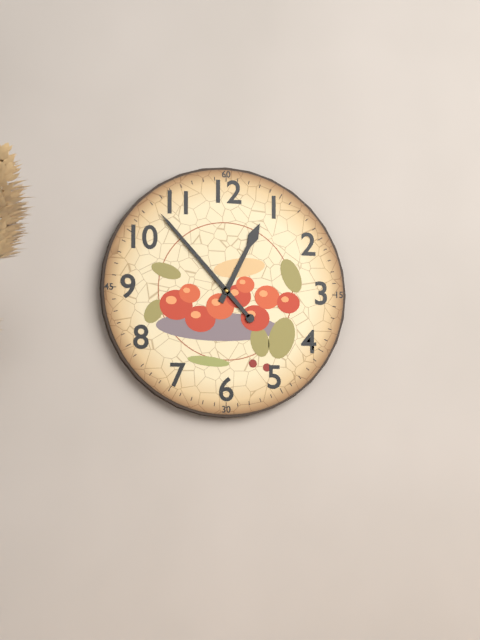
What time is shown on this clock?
12:53
